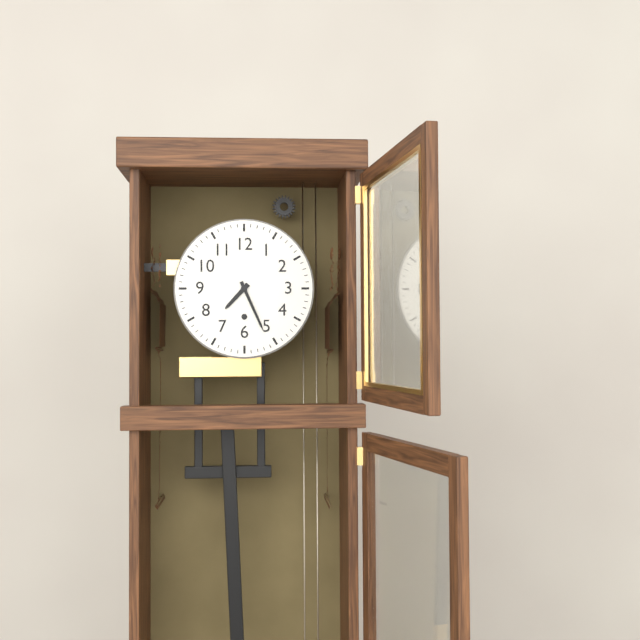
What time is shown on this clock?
7:26
